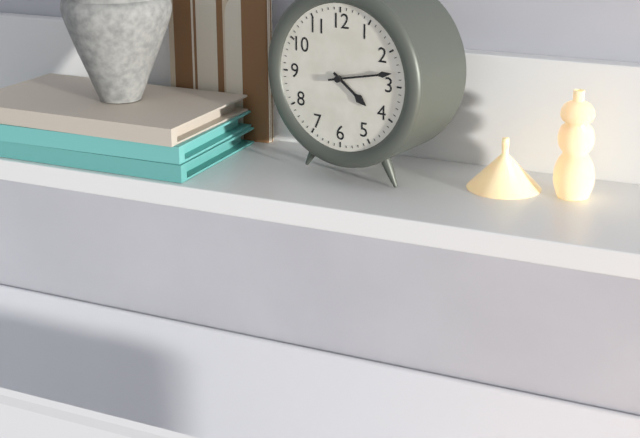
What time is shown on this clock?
4:13
